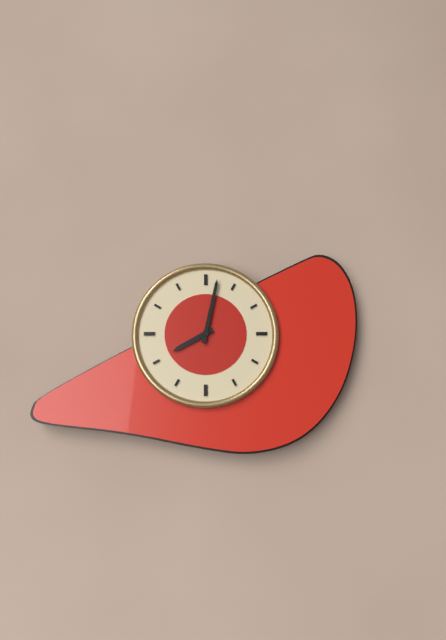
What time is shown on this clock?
8:02
